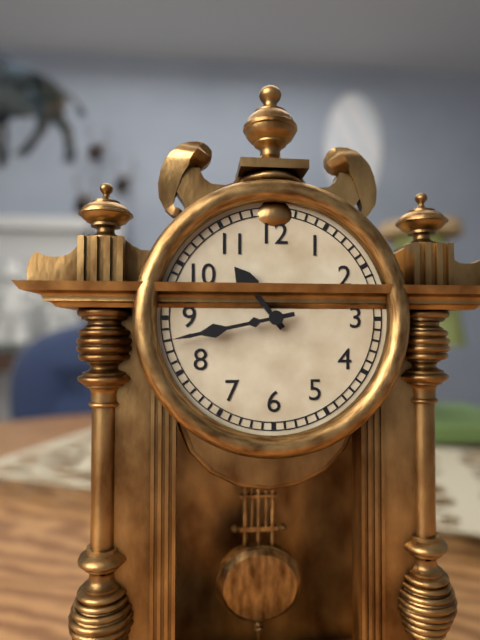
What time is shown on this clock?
10:43
